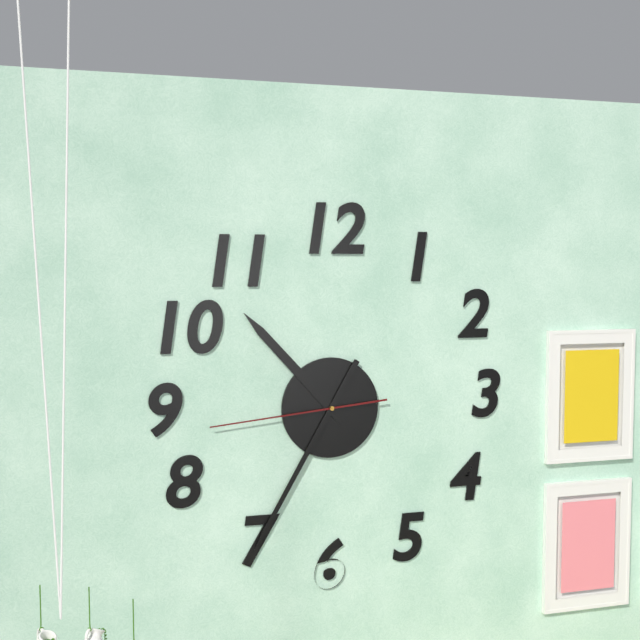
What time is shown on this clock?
10:35:44
